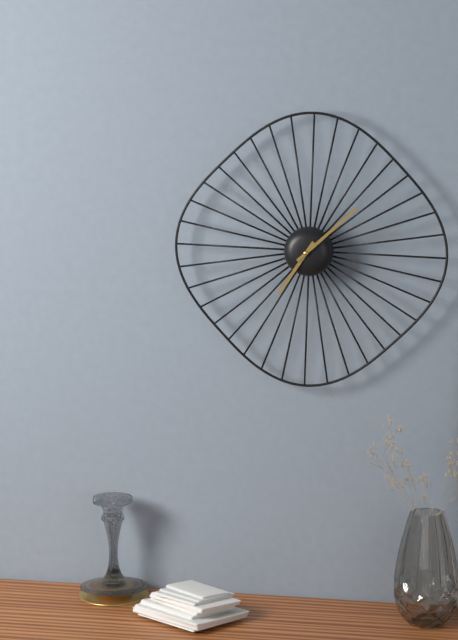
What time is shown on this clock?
7:08
